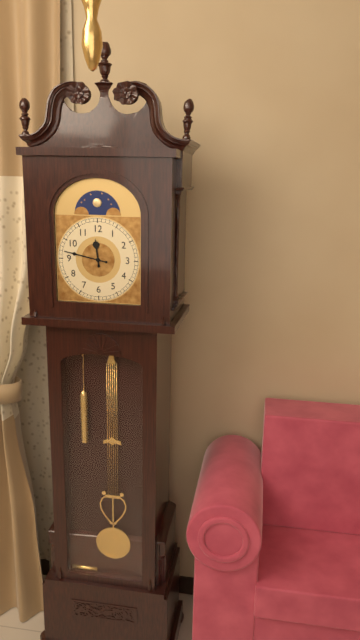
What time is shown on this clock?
11:47
